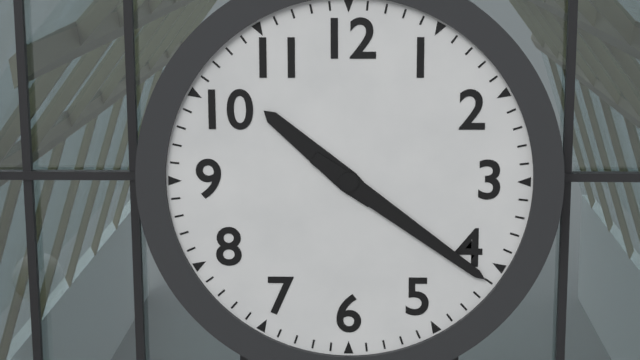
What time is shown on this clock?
10:21
